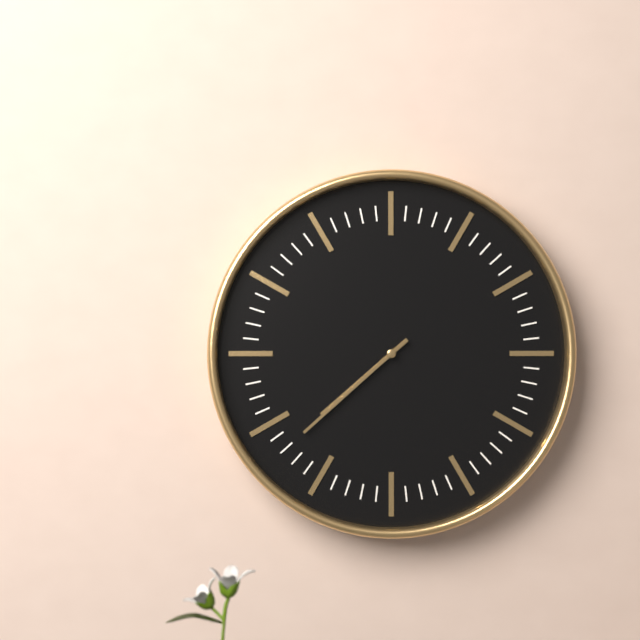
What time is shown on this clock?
7:38
